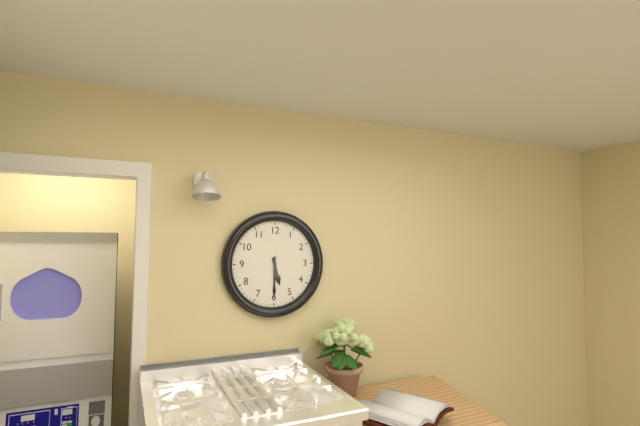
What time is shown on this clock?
5:30
